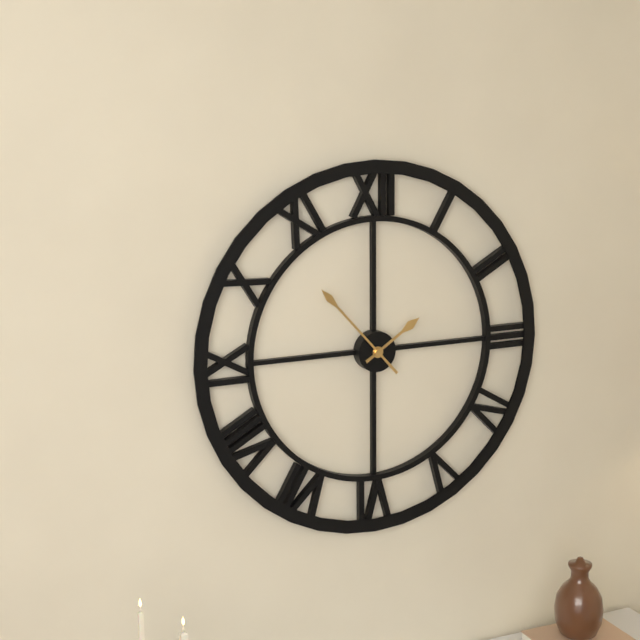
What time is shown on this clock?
1:53
